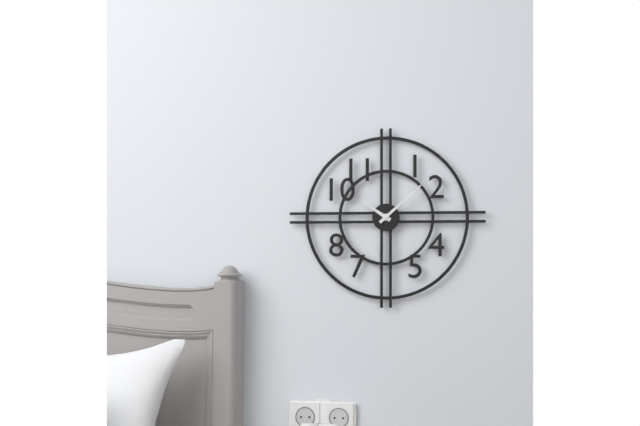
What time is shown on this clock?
10:08
